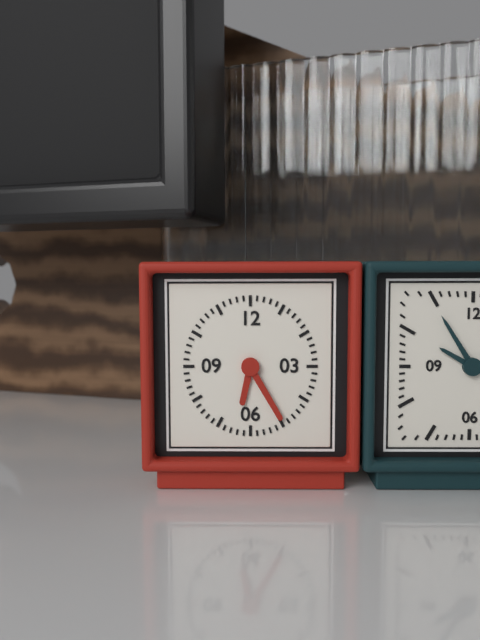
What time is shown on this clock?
6:25
